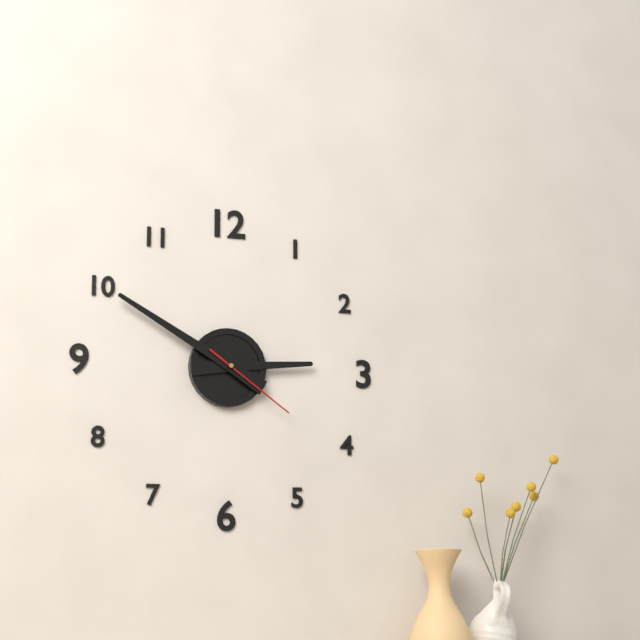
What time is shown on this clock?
2:50:21
